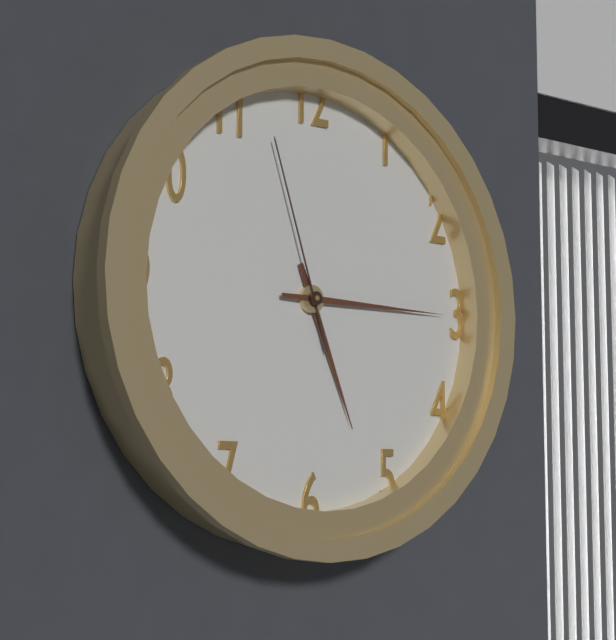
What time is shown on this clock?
5:15:57
